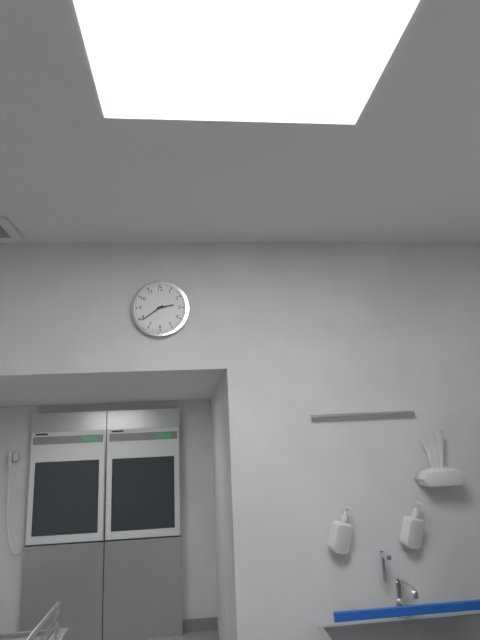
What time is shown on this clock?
2:39
